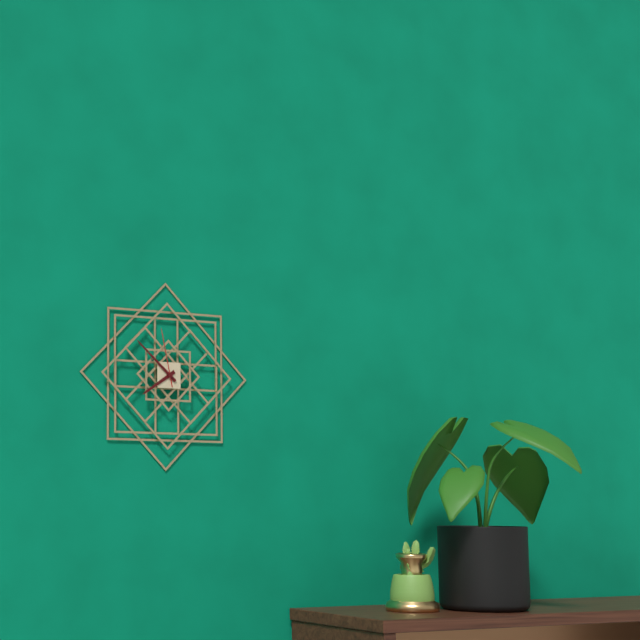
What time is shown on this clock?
7:52:58
